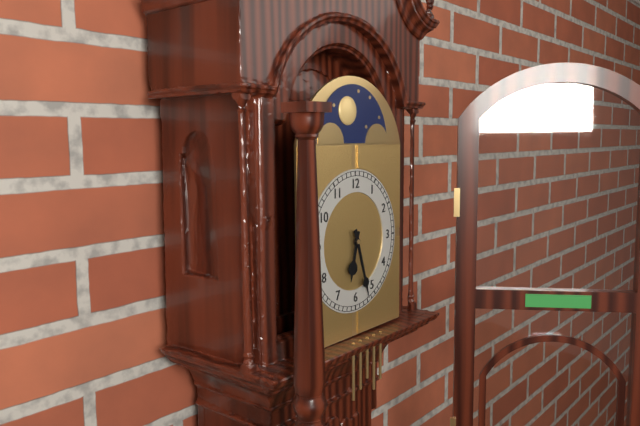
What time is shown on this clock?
6:27
